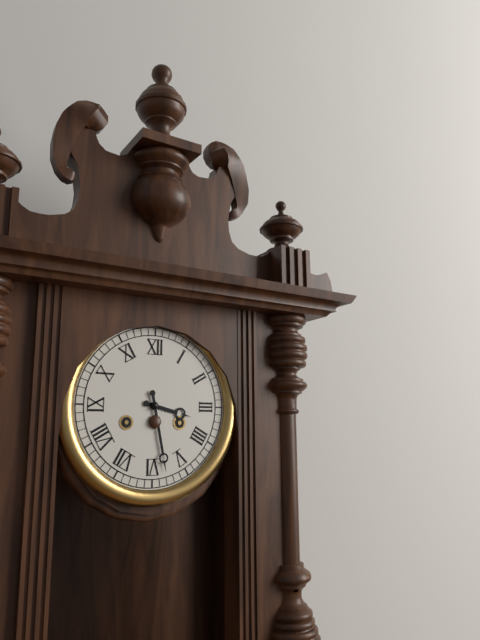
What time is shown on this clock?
3:28
